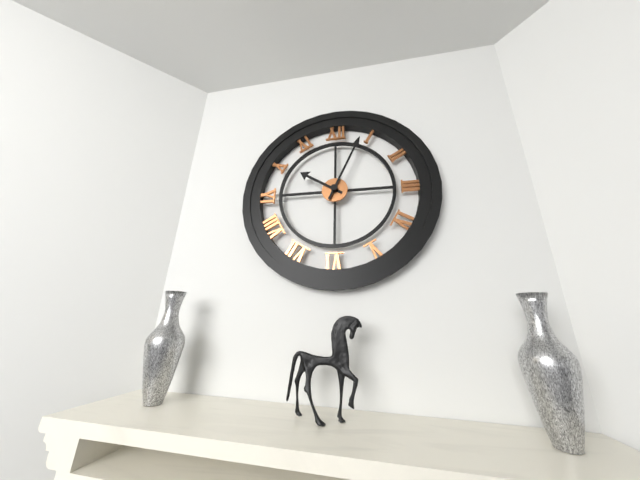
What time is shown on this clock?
10:04
